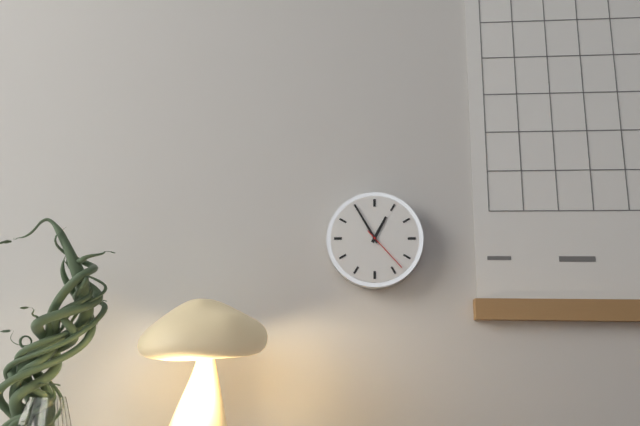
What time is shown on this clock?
12:55:23
